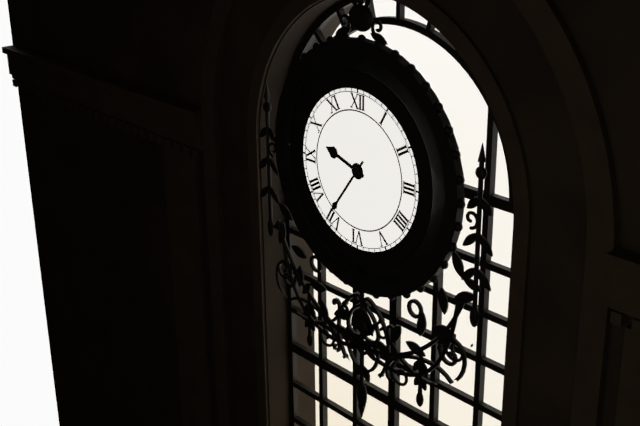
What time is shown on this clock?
9:36
